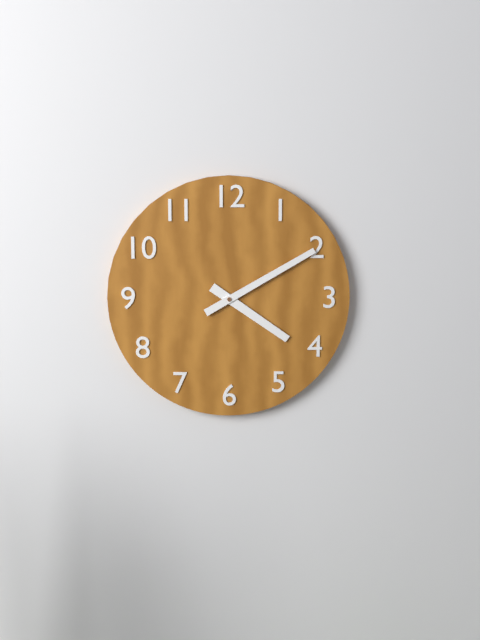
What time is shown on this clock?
4:10
